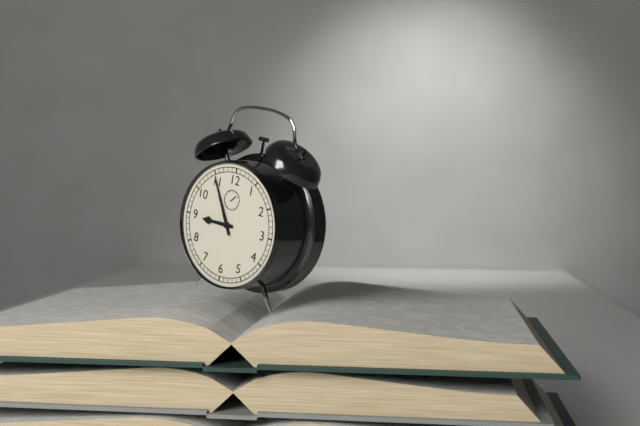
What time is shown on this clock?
8:55
